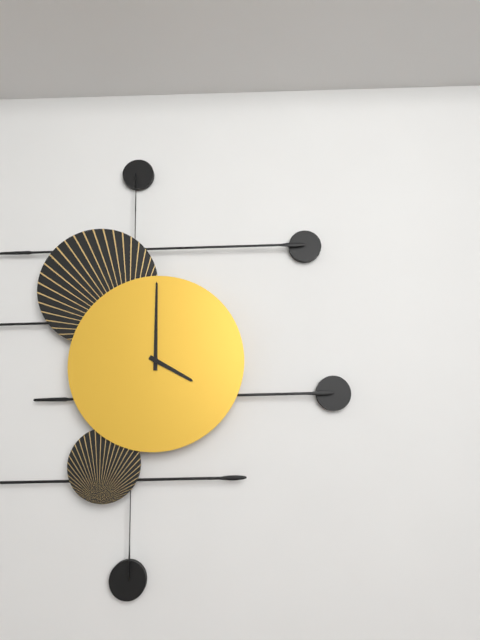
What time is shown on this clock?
4:00
